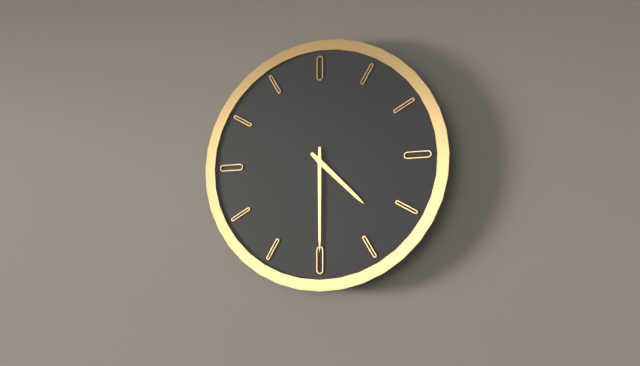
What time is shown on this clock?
4:30
